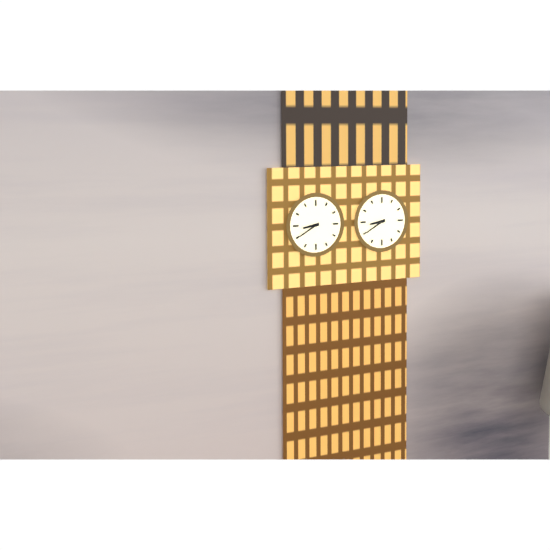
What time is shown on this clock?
8:40
